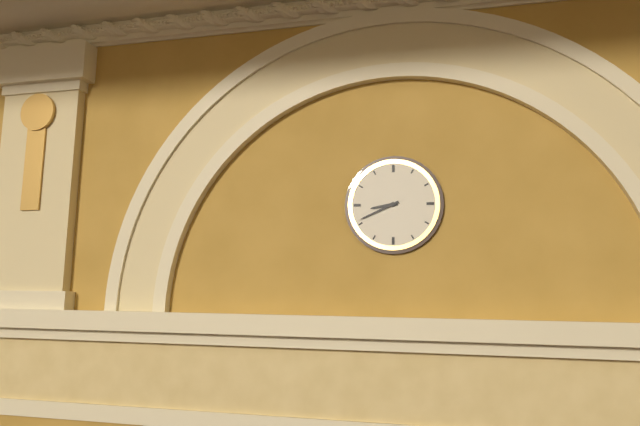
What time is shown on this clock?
8:41
